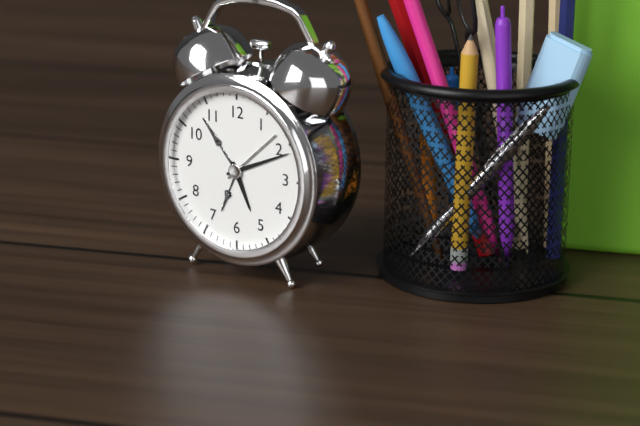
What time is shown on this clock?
5:11
